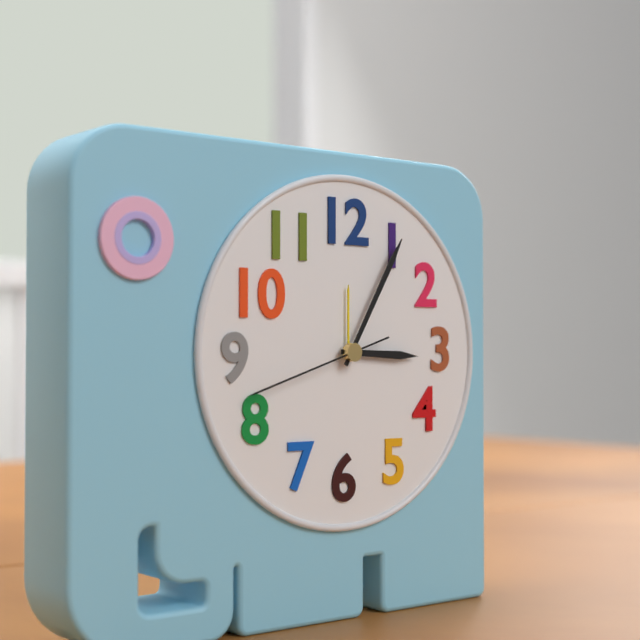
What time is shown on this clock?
3:05:42
